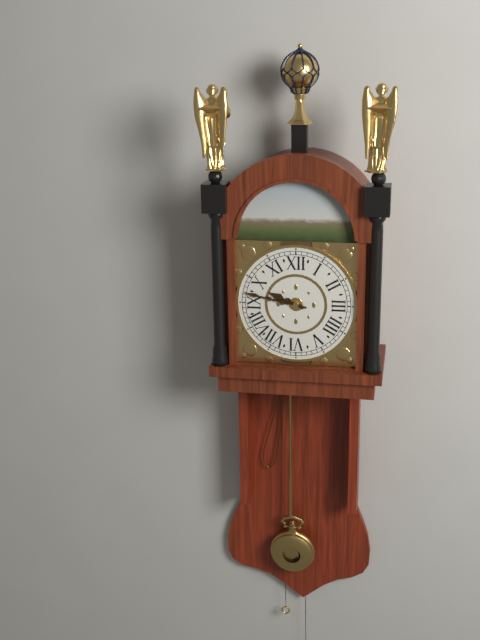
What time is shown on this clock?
9:47
